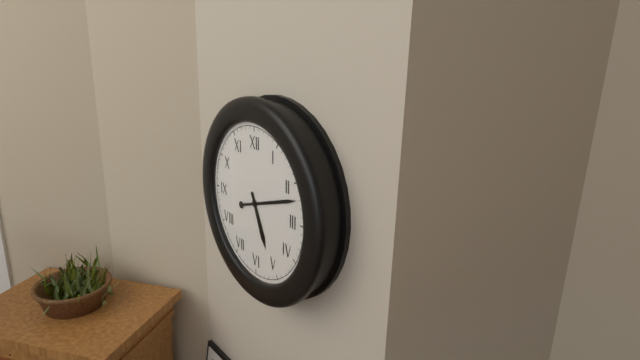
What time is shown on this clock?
5:12
